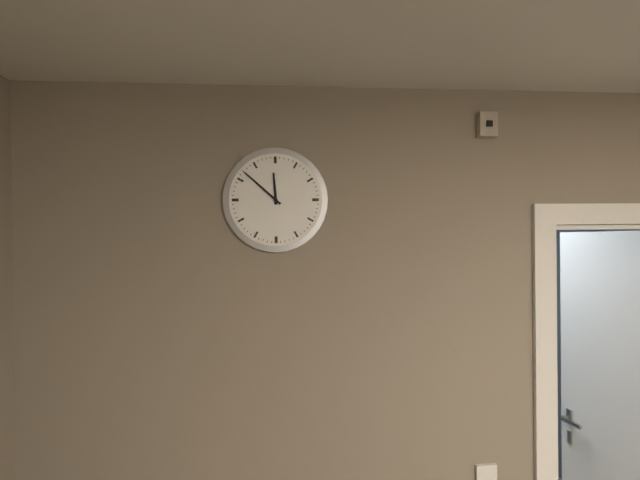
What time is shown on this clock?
11:52
